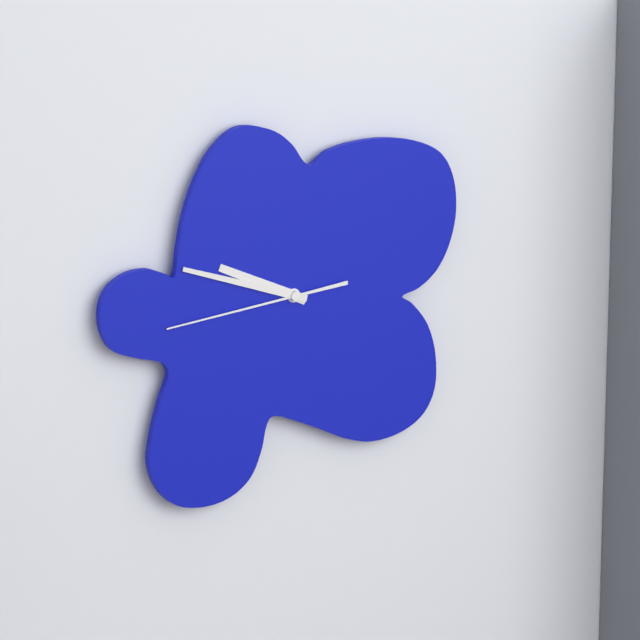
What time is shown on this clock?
9:48:44
